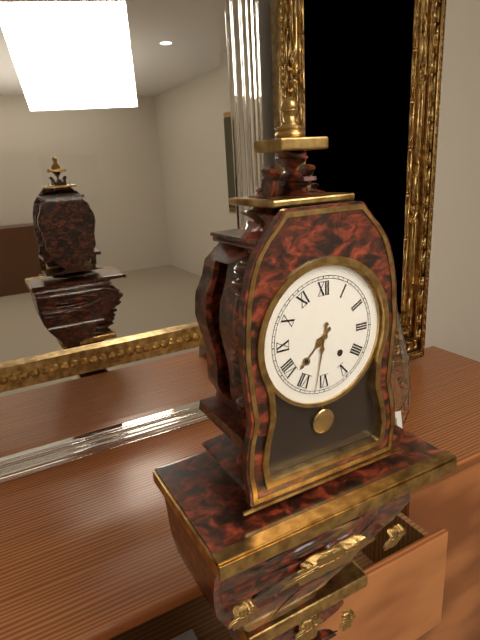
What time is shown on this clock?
7:32
